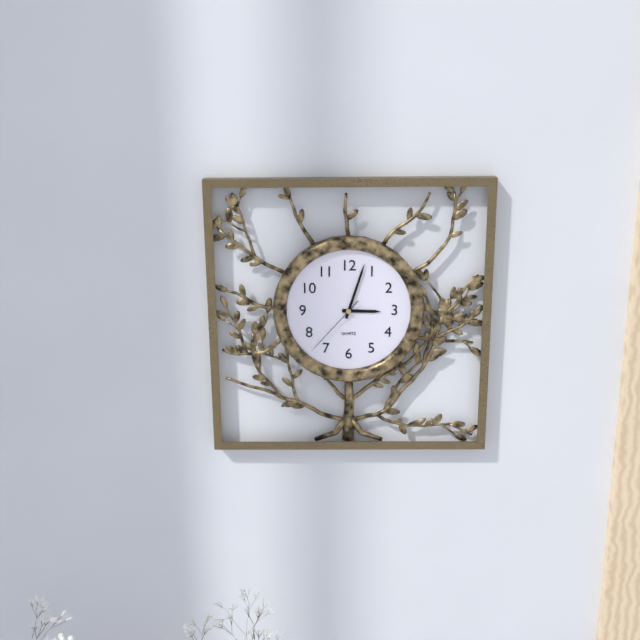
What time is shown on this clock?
3:03:37
